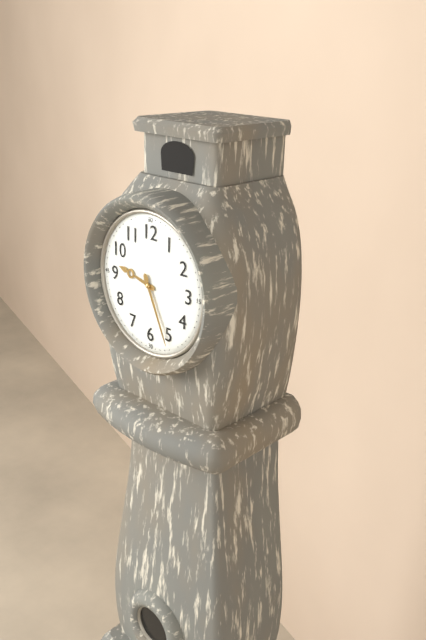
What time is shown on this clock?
9:26
